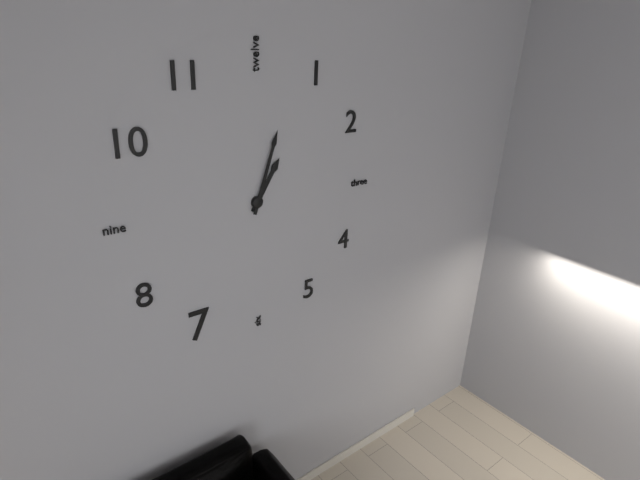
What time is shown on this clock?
1:03
